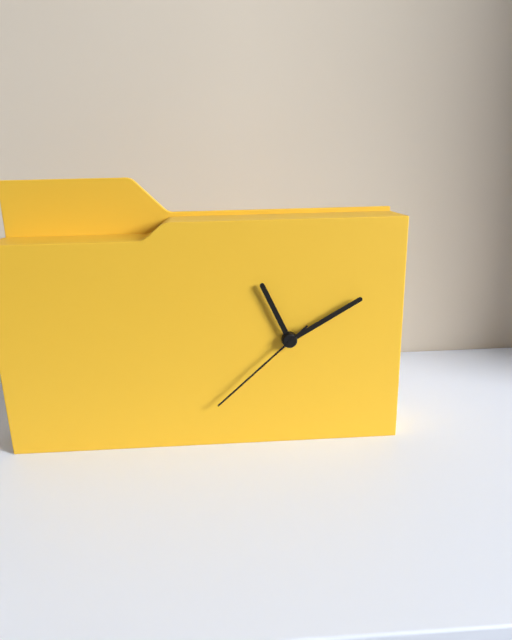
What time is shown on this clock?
11:10:38
